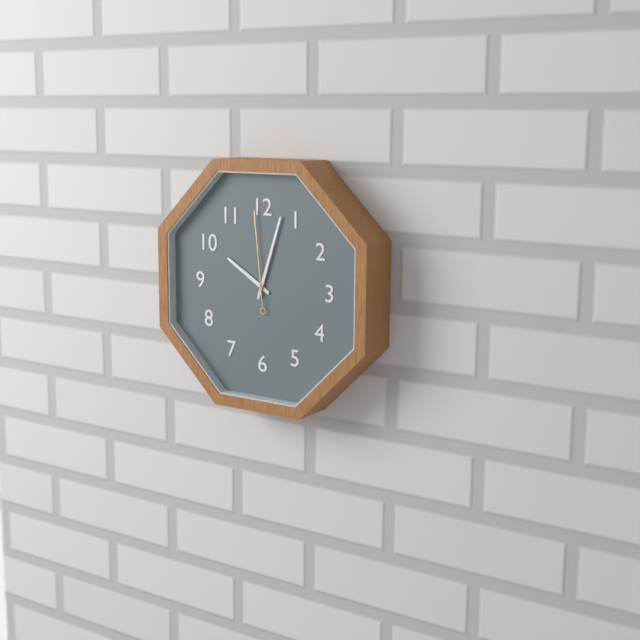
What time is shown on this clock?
10:03:59
